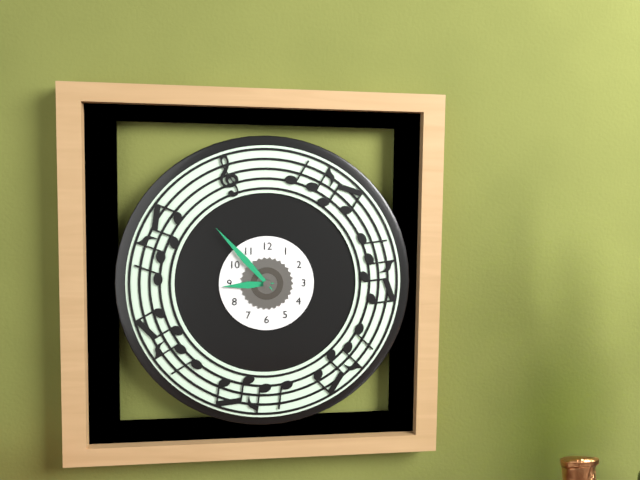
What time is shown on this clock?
8:53
